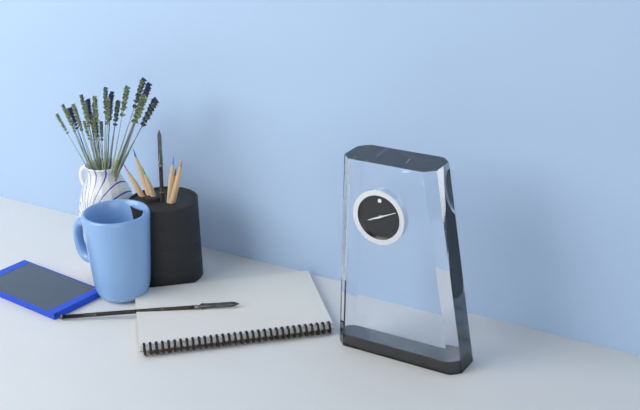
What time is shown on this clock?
8:11
